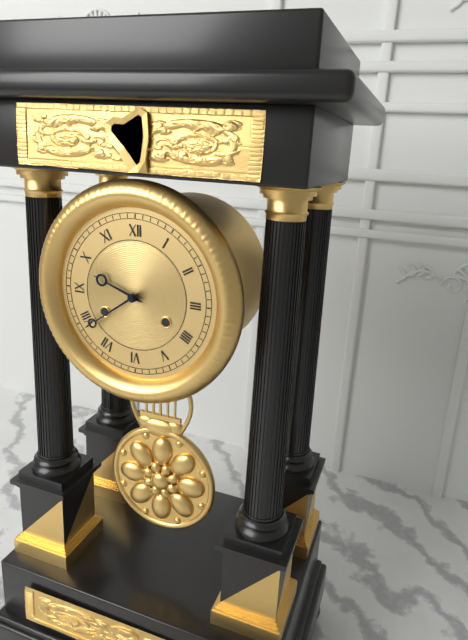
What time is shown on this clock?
9:39
